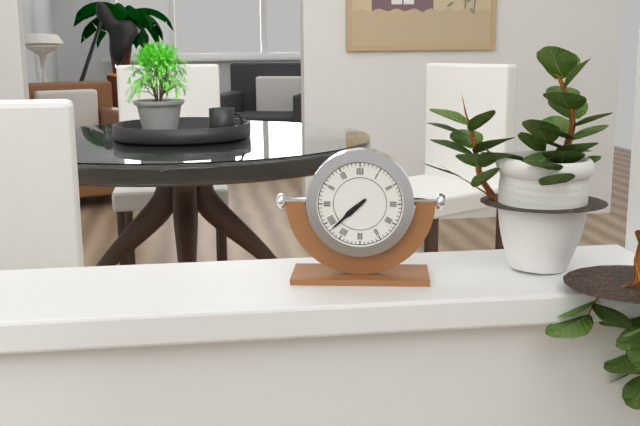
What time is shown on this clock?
7:38
